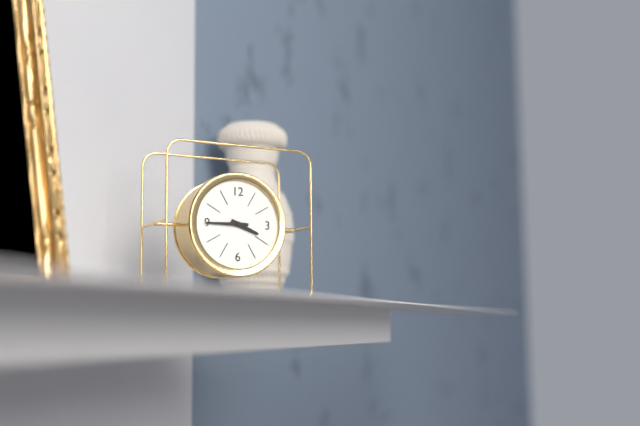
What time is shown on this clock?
3:45
